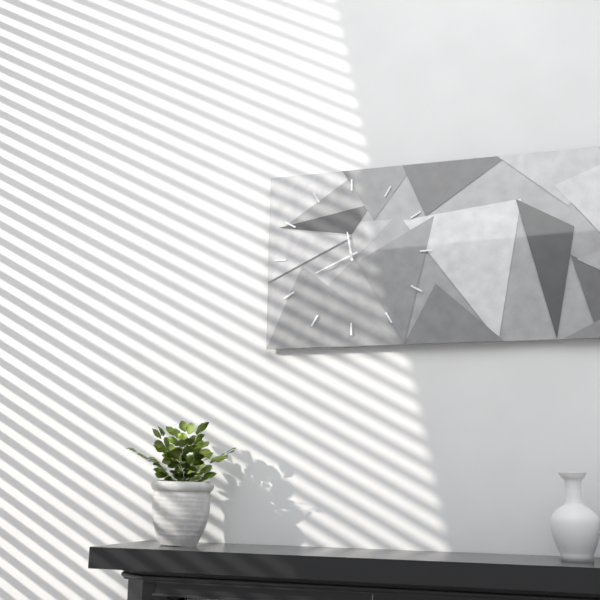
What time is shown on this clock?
11:41
